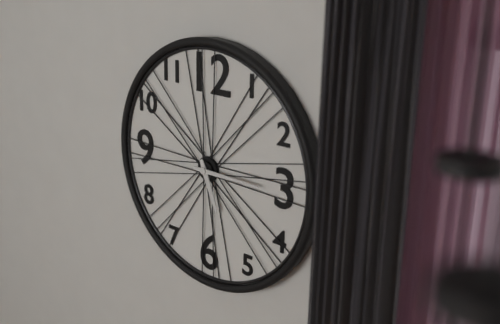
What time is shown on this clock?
5:15
